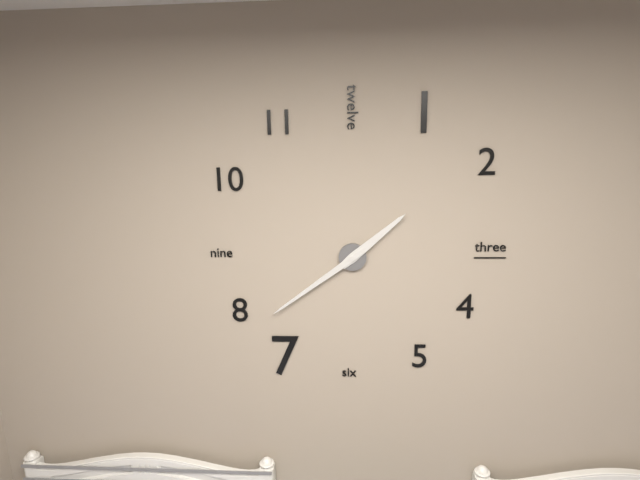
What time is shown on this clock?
1:39
